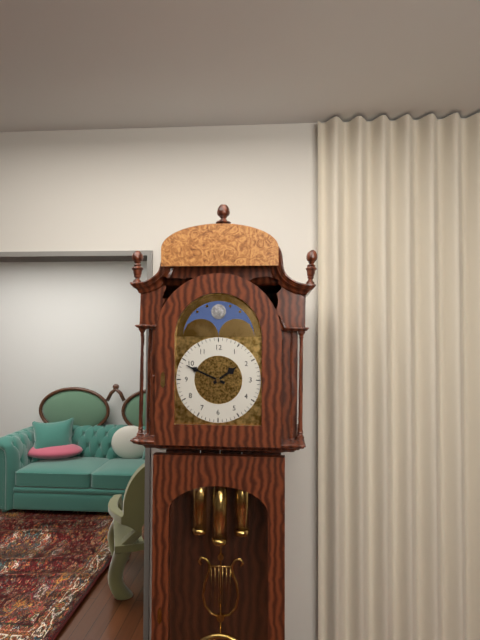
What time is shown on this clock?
1:49
